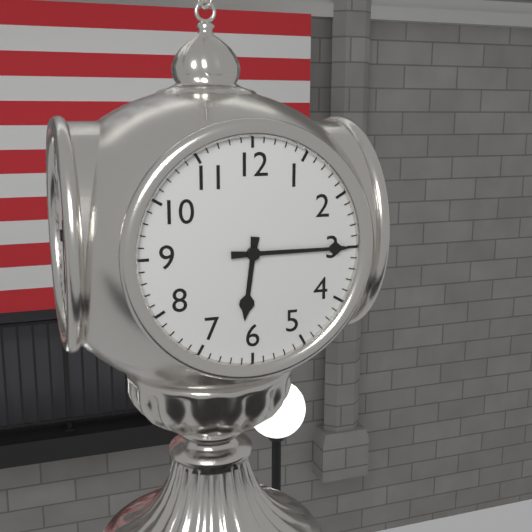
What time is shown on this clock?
6:15
